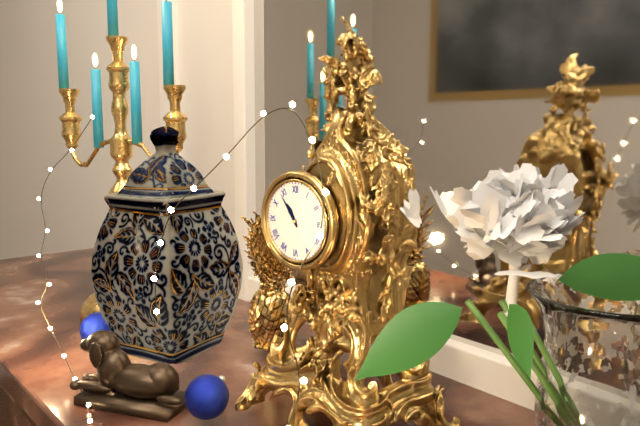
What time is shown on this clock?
10:54
